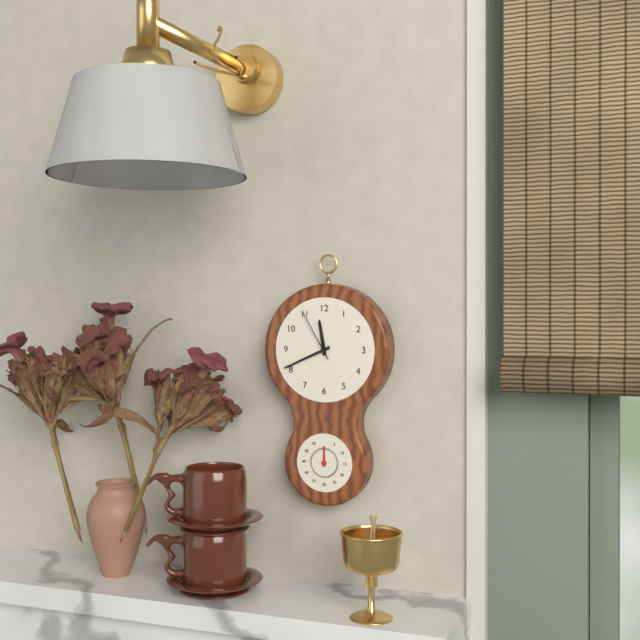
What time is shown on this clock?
11:41:55
